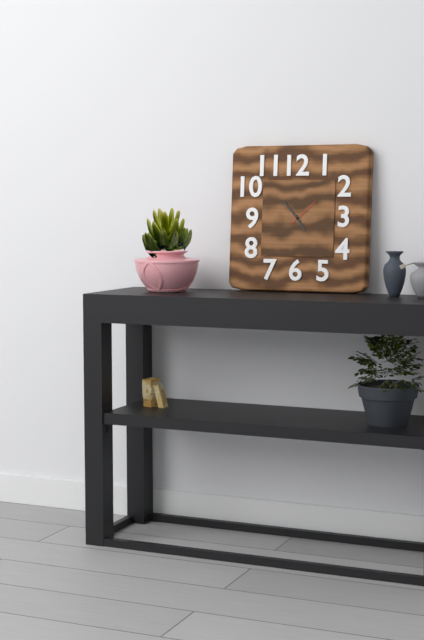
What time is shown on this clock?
4:53
